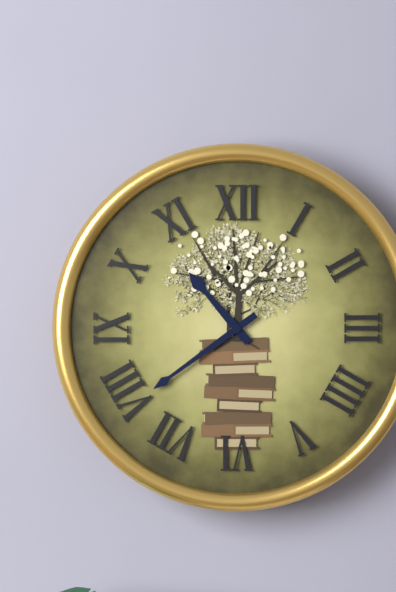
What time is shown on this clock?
10:39
